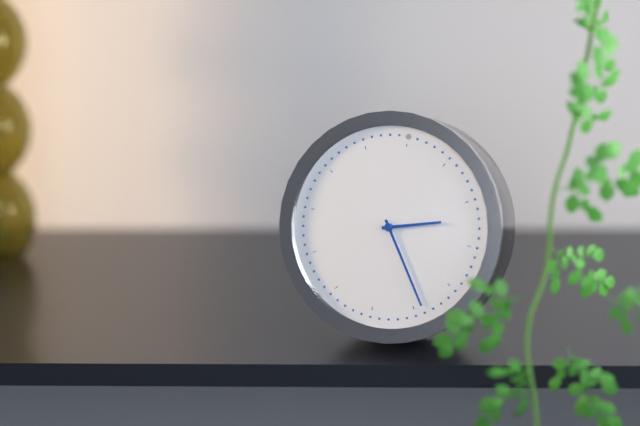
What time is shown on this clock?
2:24
